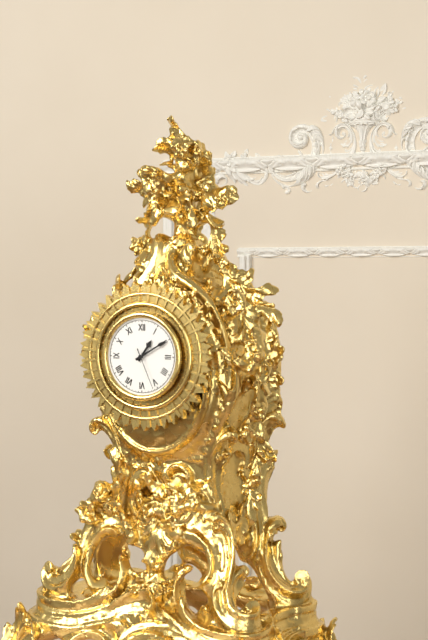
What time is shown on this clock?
1:10
